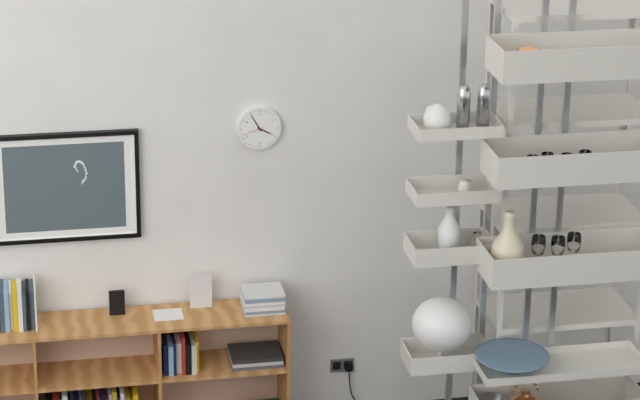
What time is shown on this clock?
3:55
